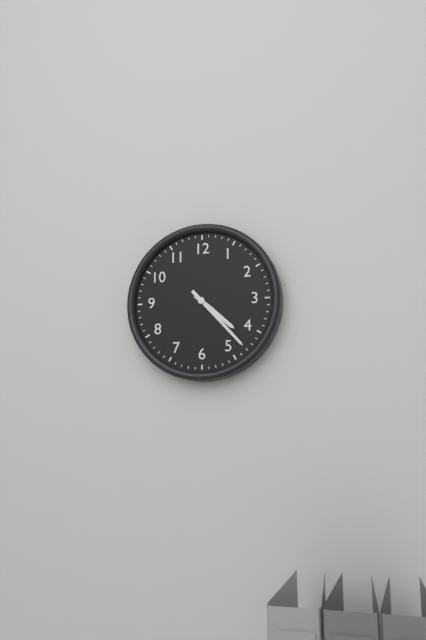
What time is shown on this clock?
4:23
